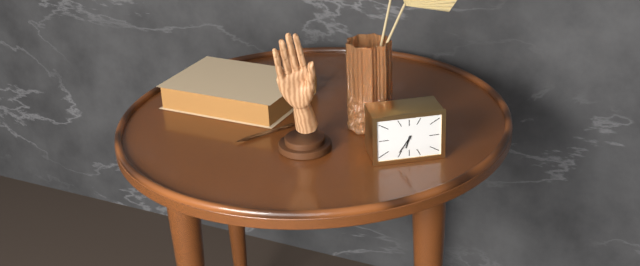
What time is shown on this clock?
6:36
